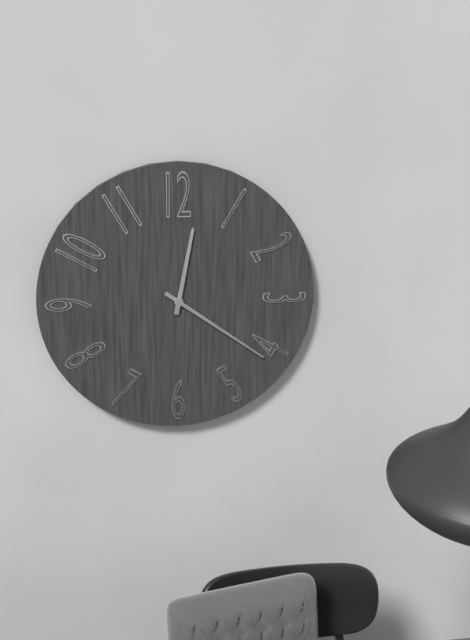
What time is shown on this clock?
12:21
